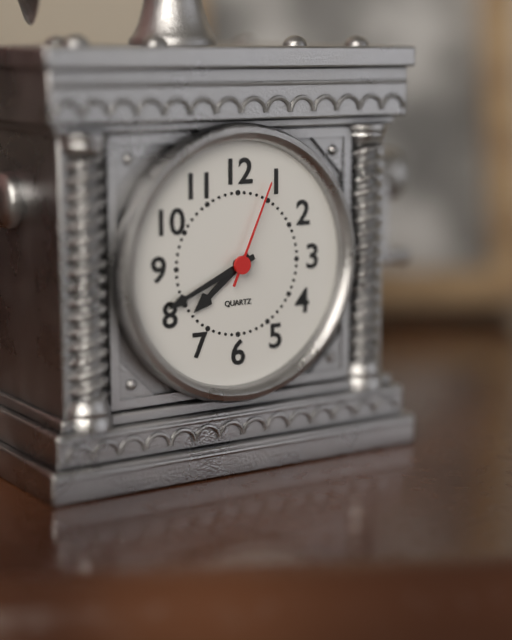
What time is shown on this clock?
7:41:04
